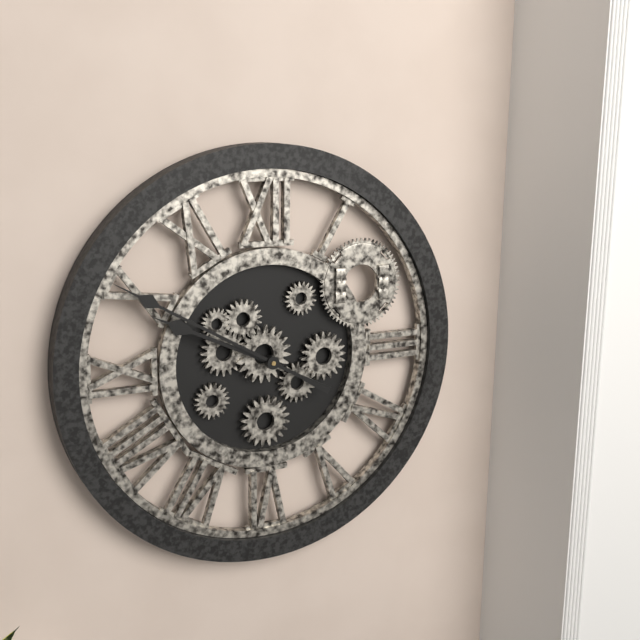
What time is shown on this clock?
9:50
